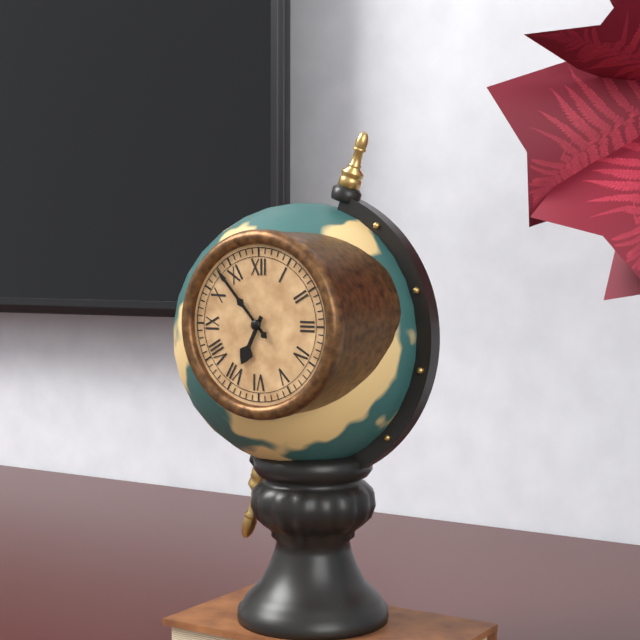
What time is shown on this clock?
6:53
